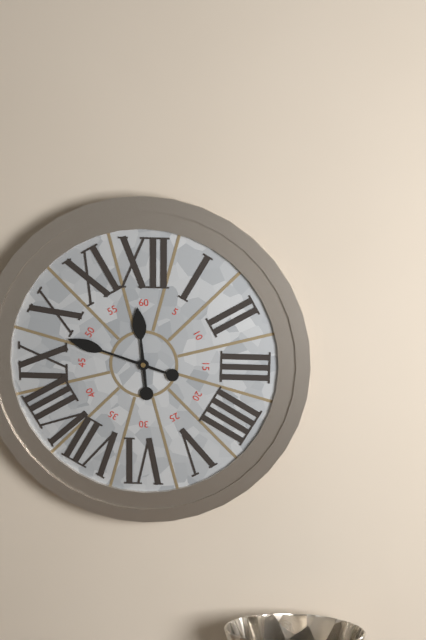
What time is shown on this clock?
11:48
